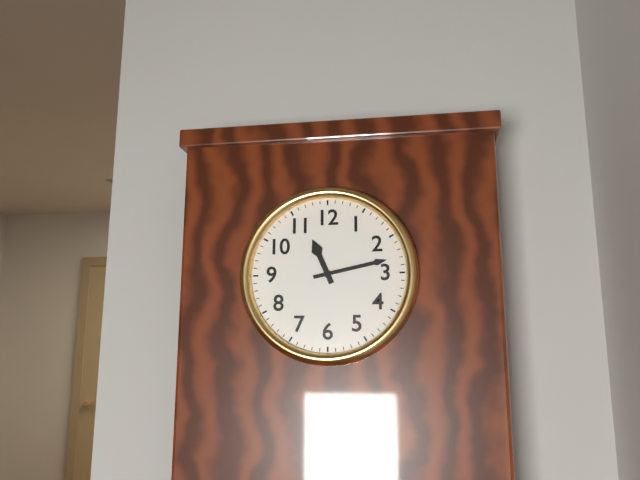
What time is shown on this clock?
11:13
